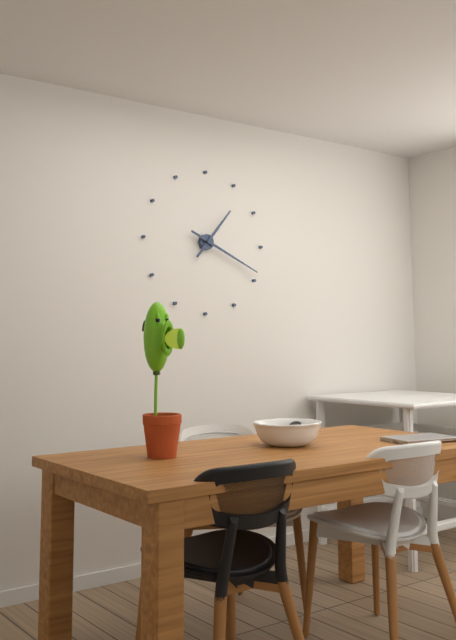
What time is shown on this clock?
1:19
